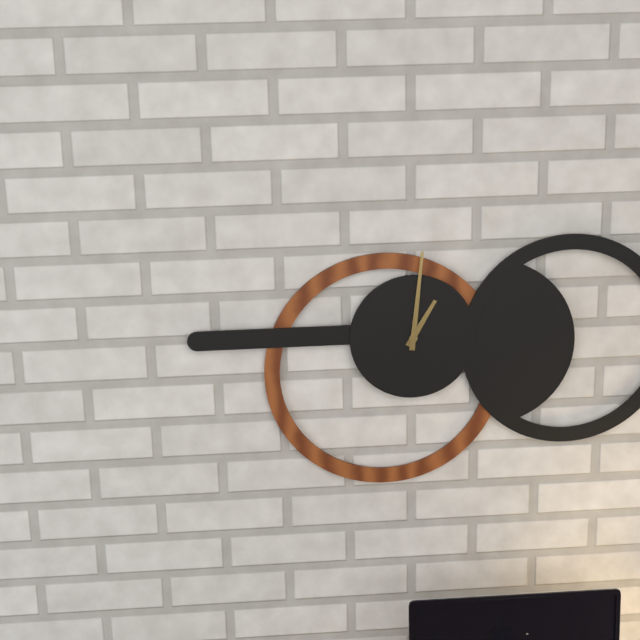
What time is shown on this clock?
1:01
